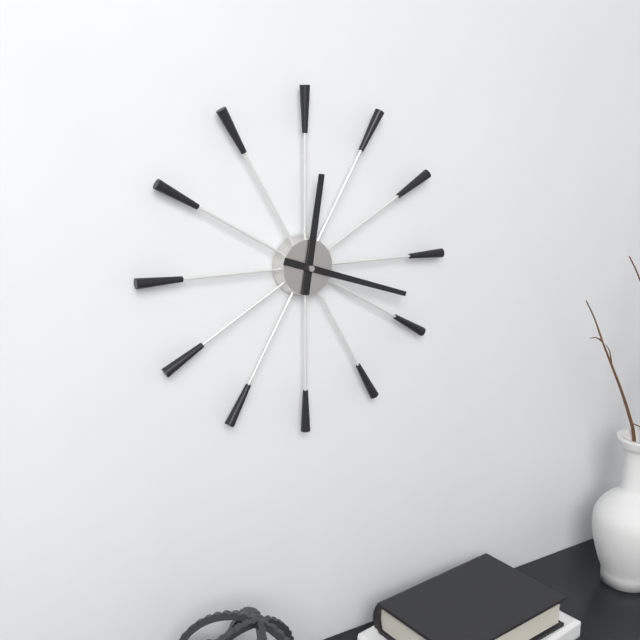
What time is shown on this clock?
12:18
